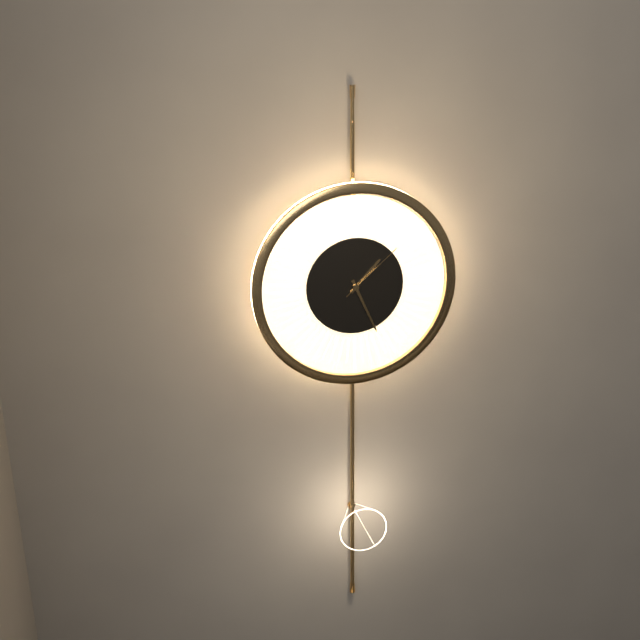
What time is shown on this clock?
1:26:08
